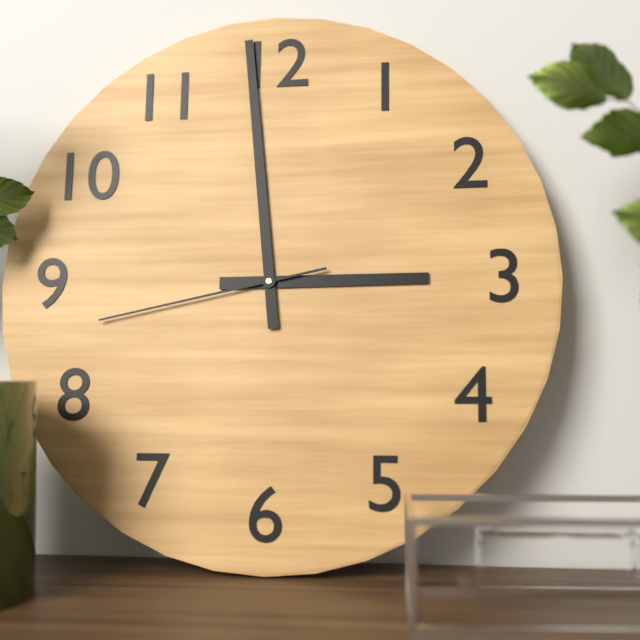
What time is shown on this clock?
2:59:43
